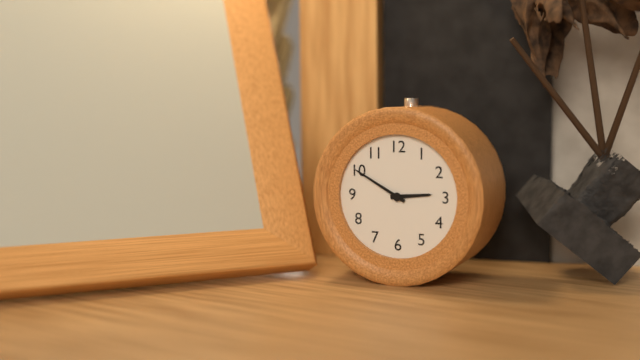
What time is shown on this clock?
2:50
